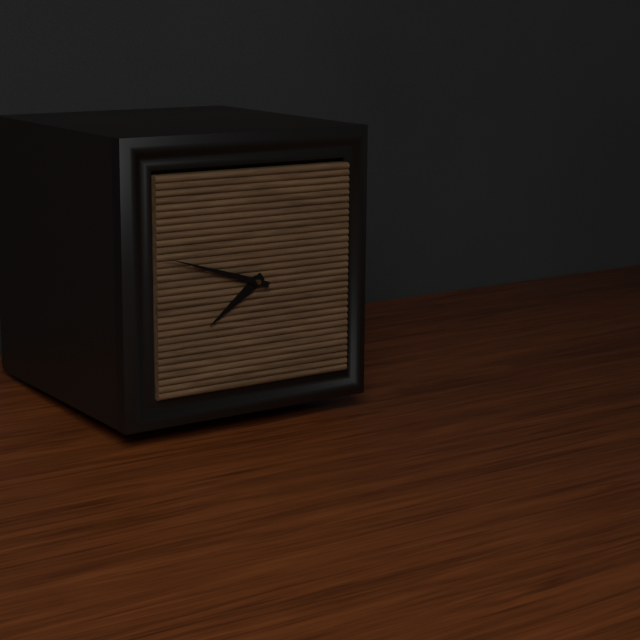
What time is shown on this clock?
7:48
